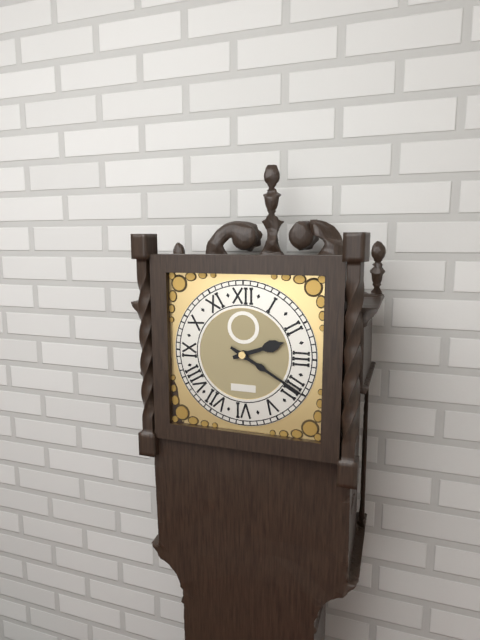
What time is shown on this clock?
2:20
